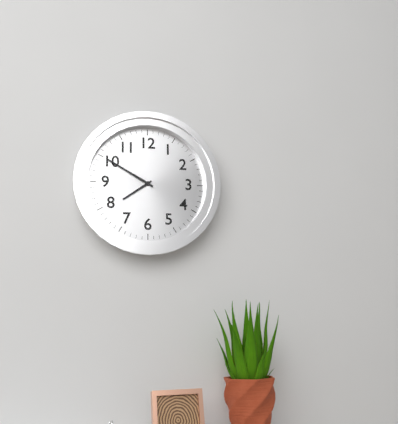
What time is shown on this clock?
7:50
